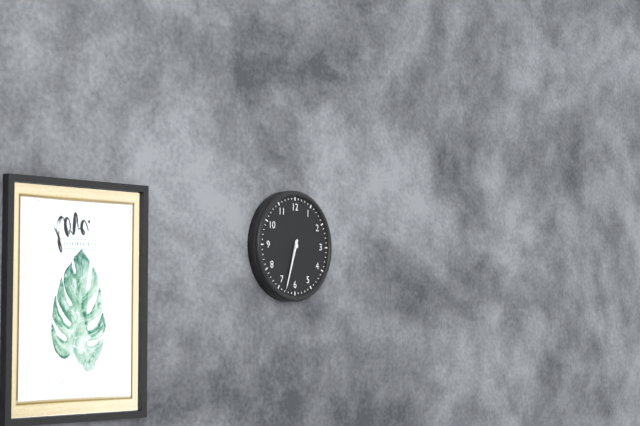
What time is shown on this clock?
6:33
